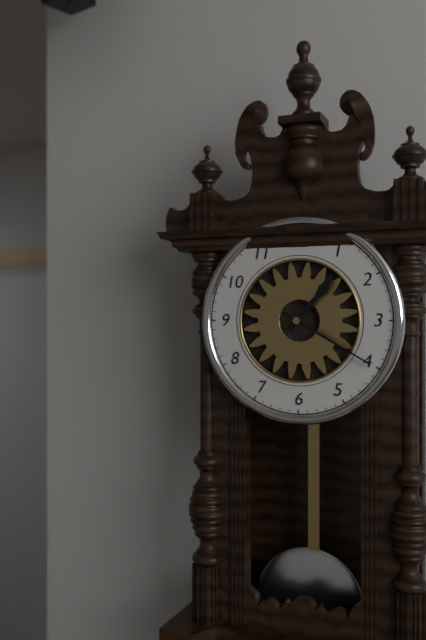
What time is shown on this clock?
1:20
